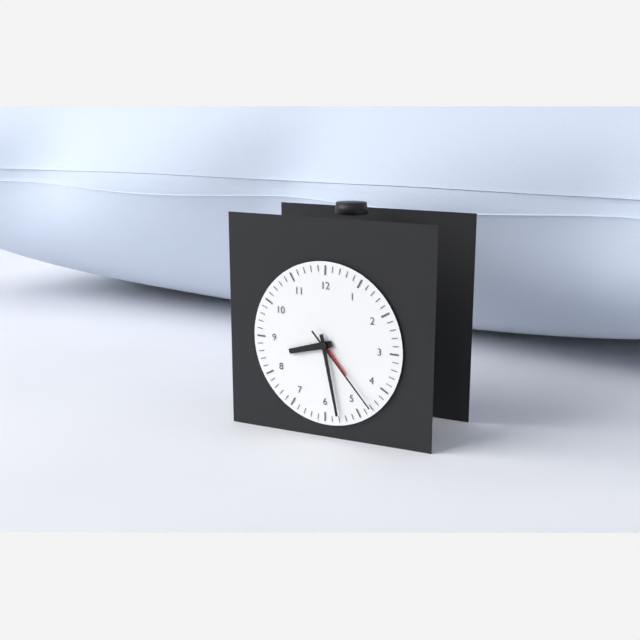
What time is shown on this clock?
8:28:23
